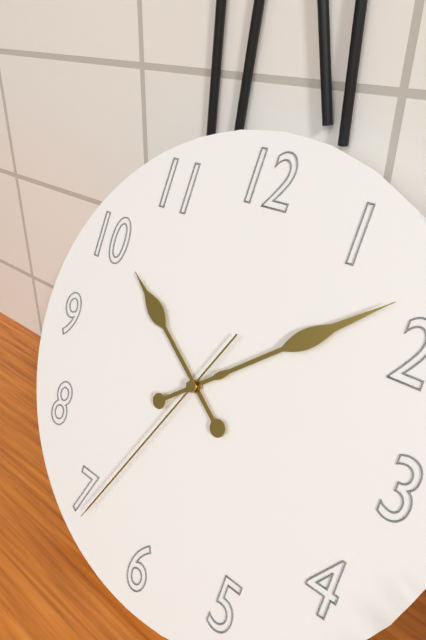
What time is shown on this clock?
10:08:34
